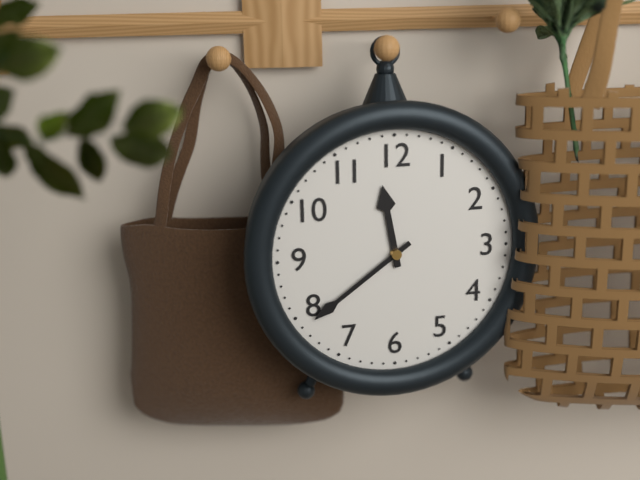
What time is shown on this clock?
11:39
